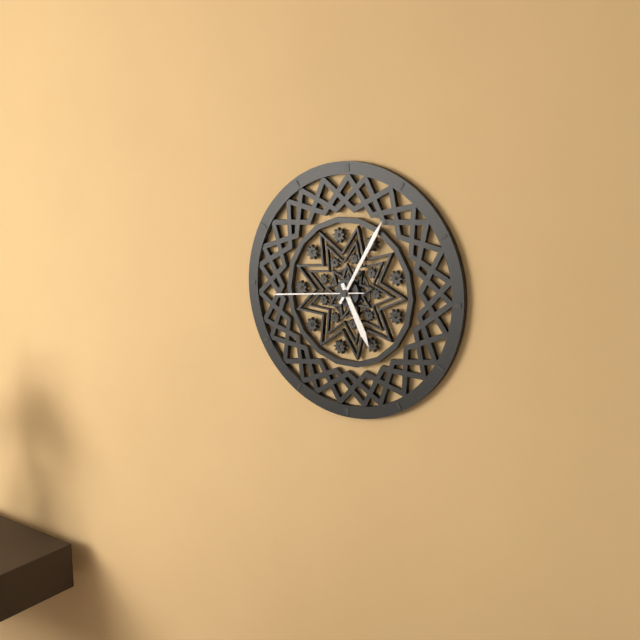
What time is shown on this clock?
5:05:44
